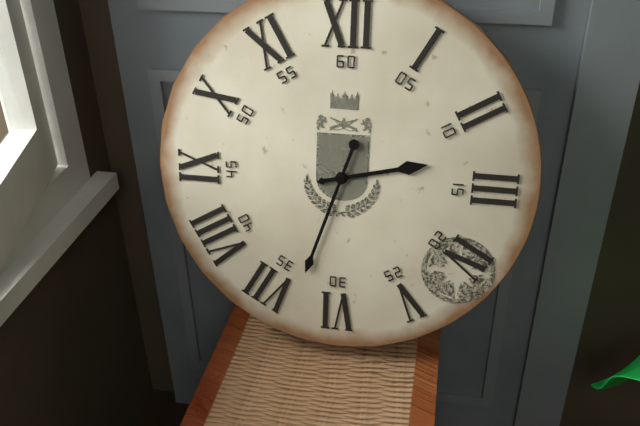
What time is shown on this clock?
2:33
